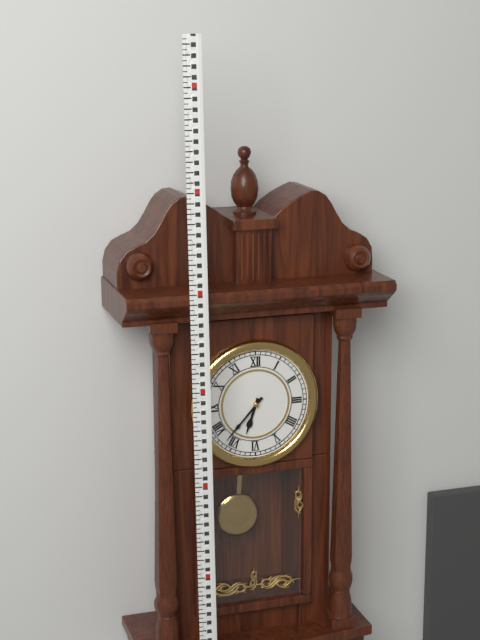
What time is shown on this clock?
6:37
